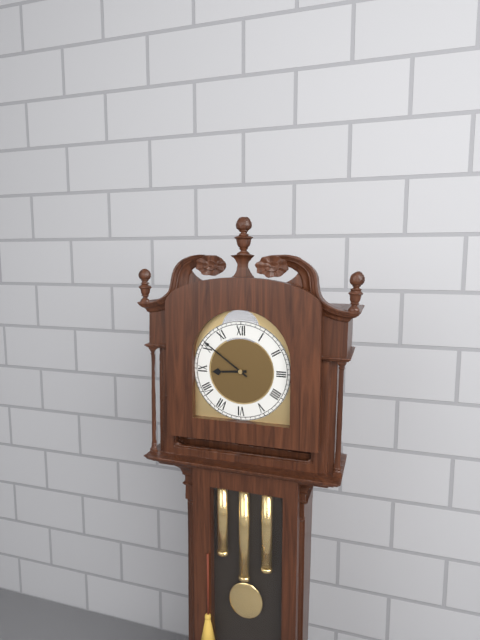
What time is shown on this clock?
8:51
